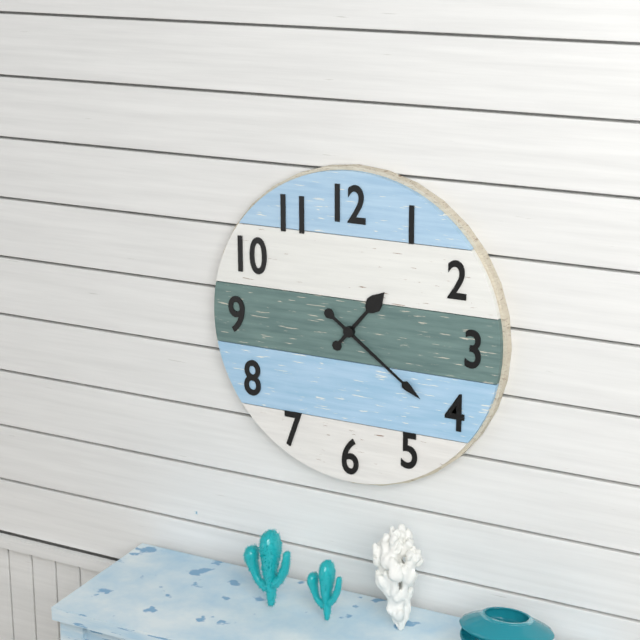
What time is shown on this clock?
1:21
